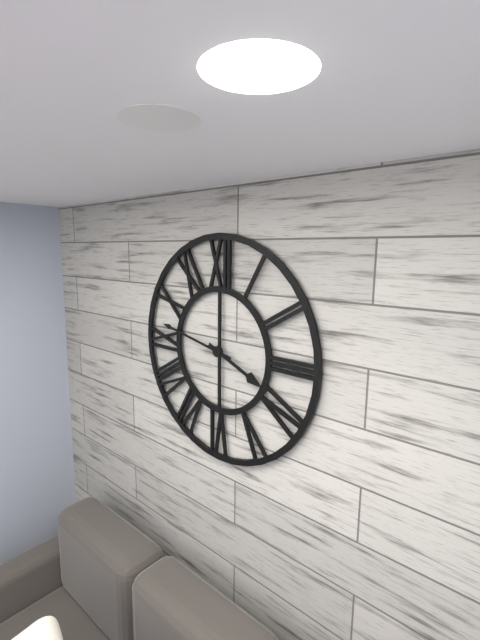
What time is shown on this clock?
3:47
